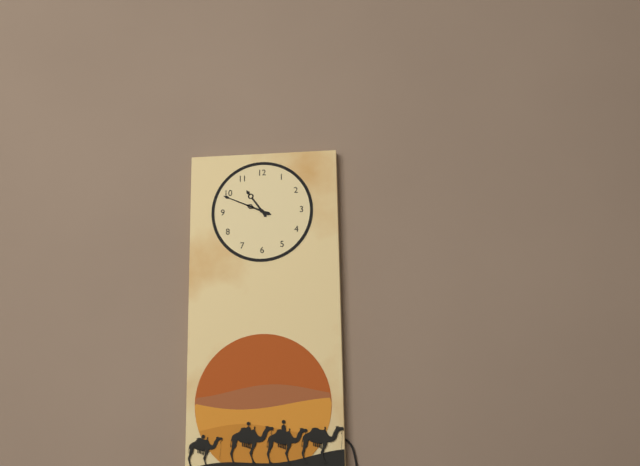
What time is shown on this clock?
10:49
